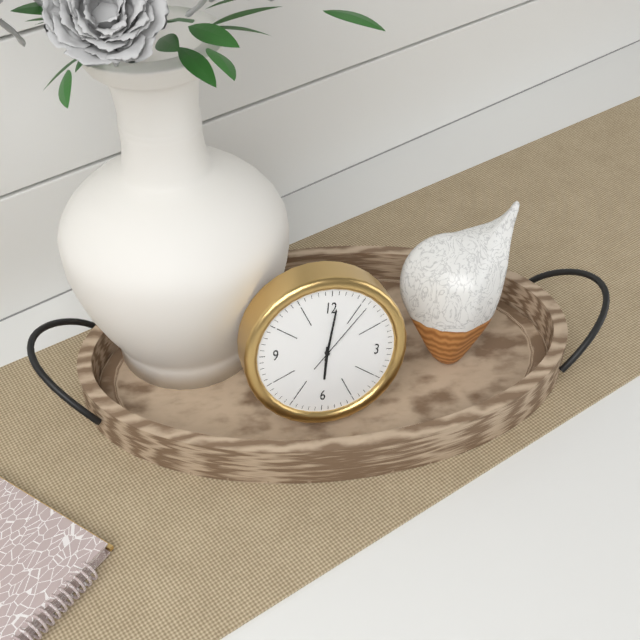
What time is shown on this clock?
6:01:06
